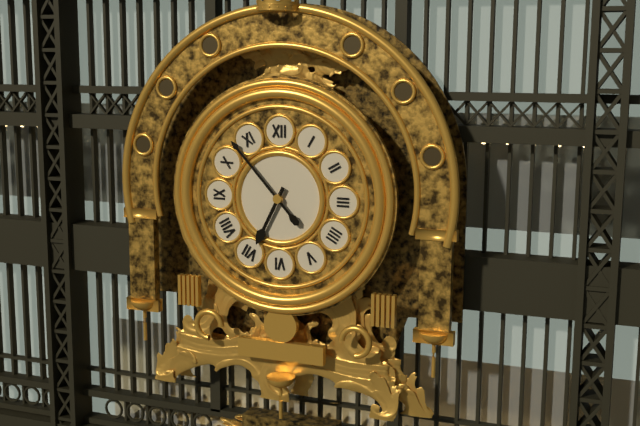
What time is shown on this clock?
6:53
